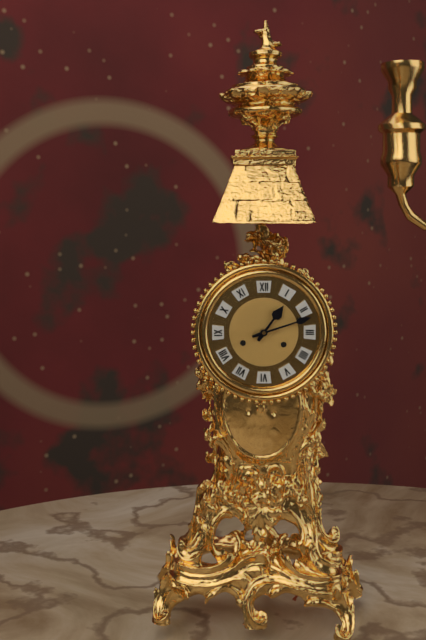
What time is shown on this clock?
1:12
